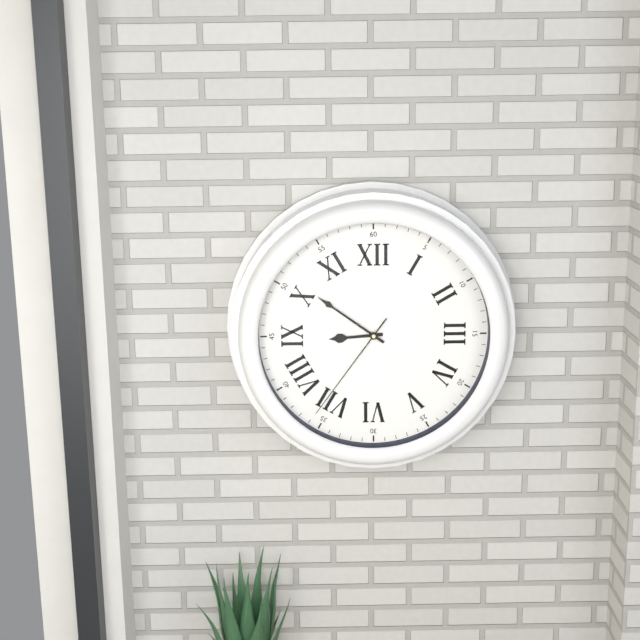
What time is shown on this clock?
8:51:36
